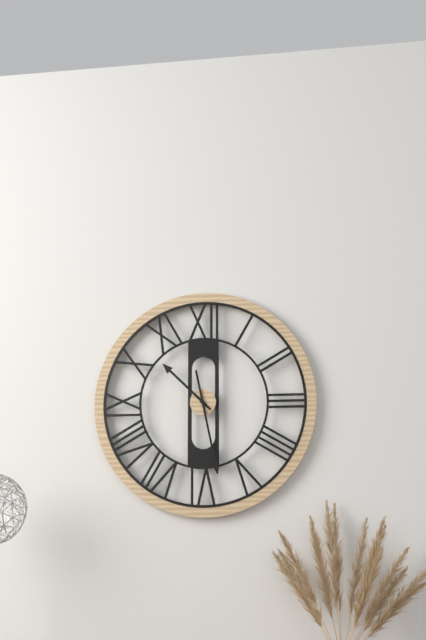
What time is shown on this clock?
10:28
